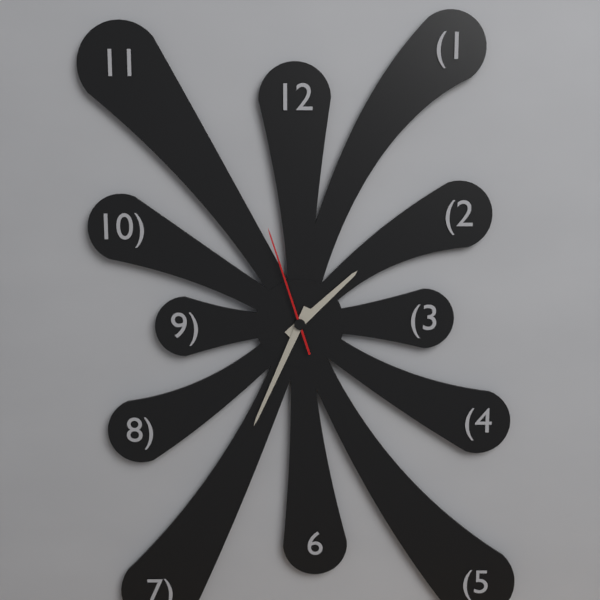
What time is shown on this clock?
1:34:57
